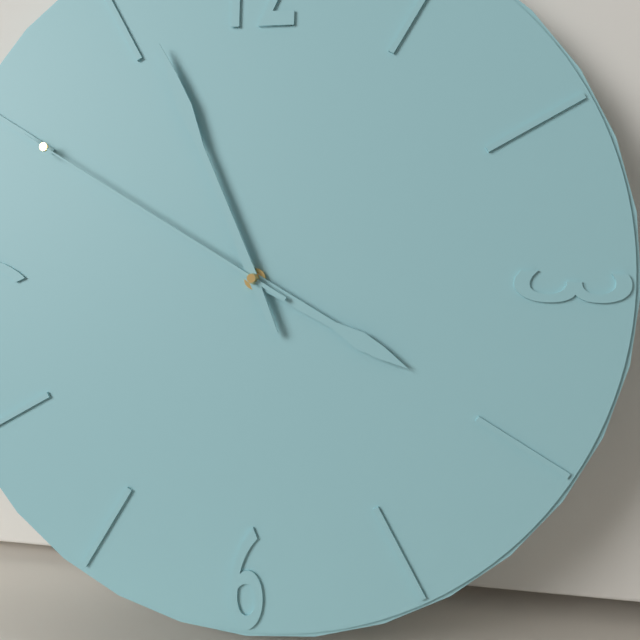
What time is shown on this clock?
3:56:50
